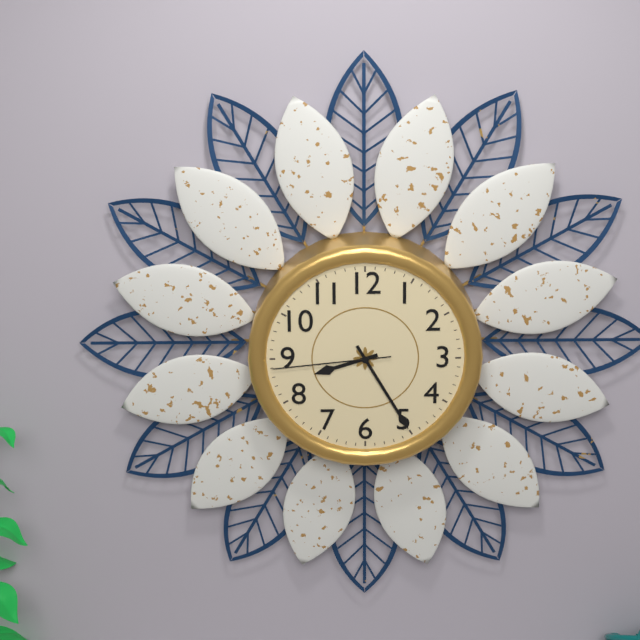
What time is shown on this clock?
8:25:44
